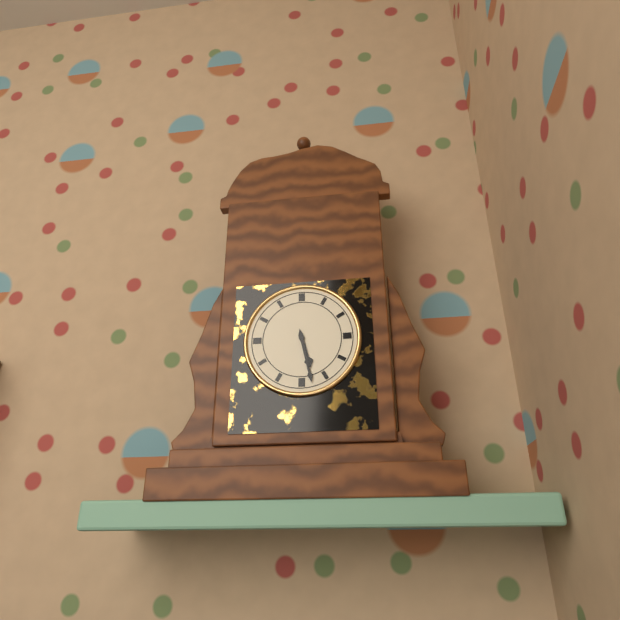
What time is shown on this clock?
5:28
